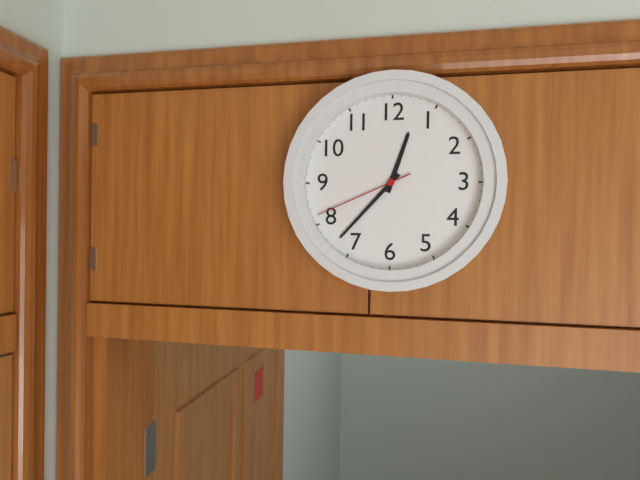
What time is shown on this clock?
12:37:41
